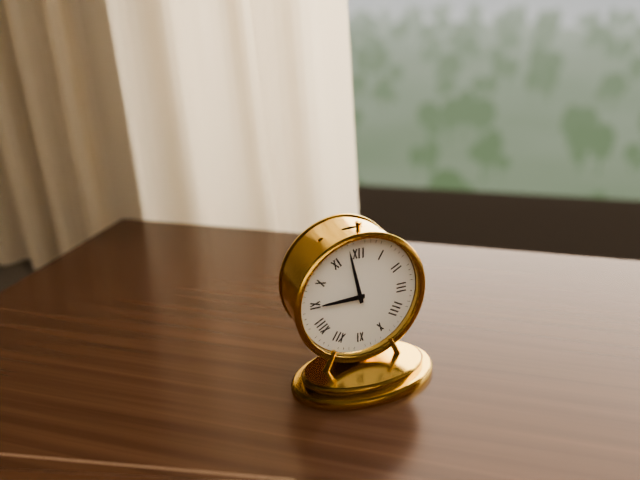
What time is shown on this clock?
8:58
